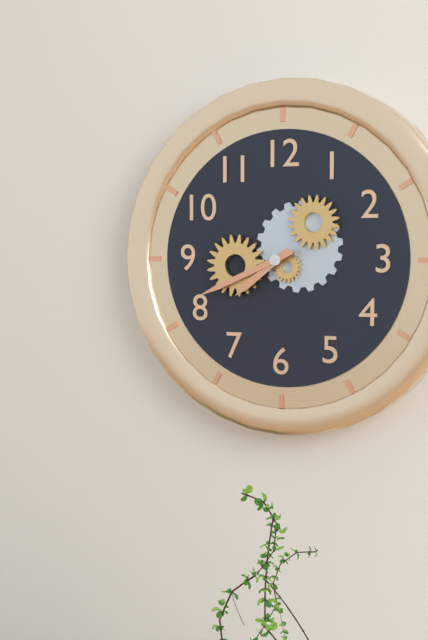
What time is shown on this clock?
7:41
